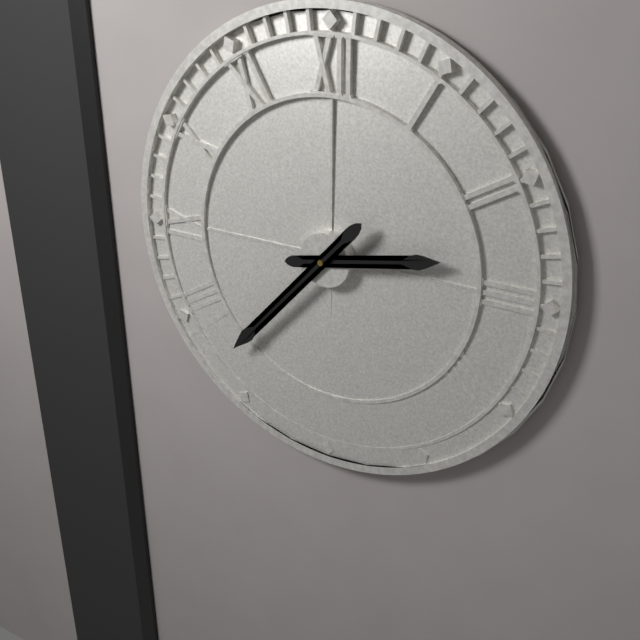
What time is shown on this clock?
2:37
